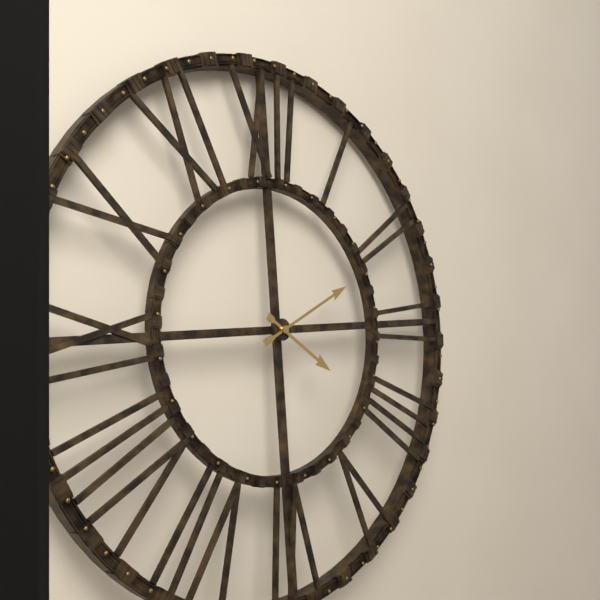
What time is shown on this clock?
4:11
